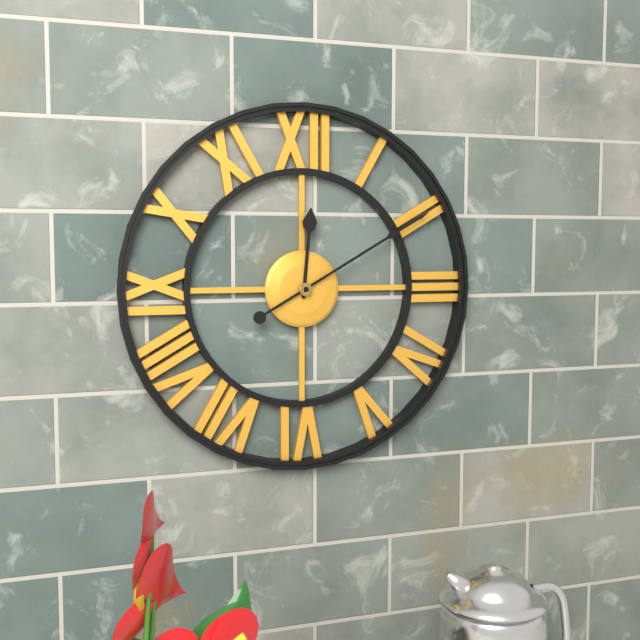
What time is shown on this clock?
12:10
